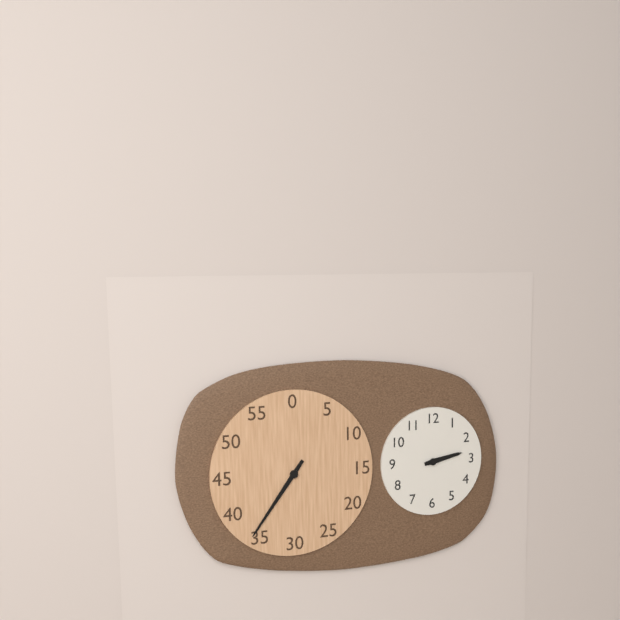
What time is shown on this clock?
2:36
